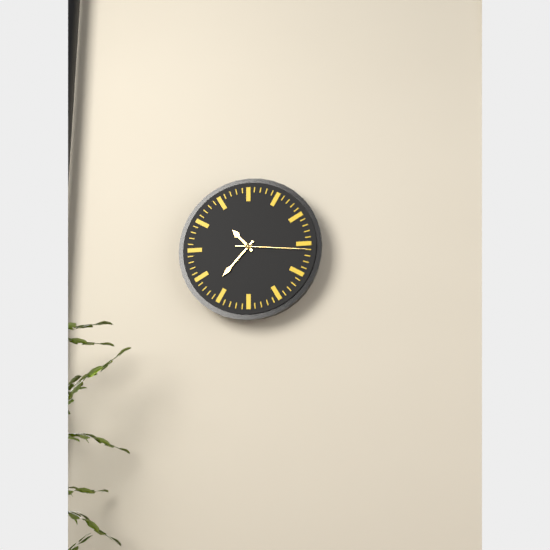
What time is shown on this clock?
10:37:16
